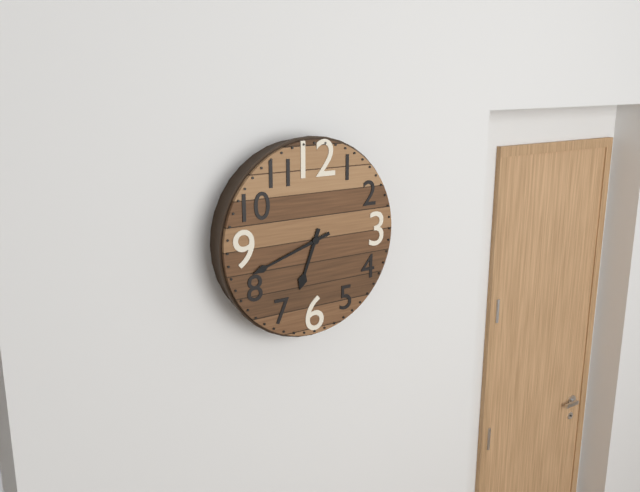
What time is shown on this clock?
6:42
